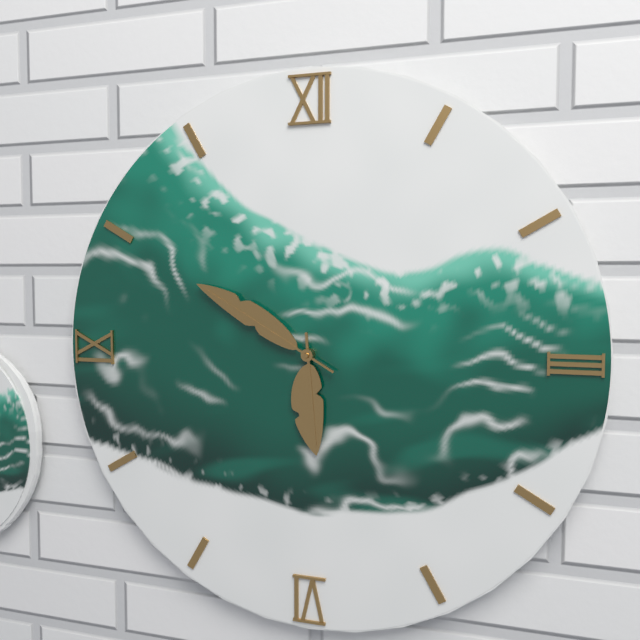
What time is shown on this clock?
5:50
